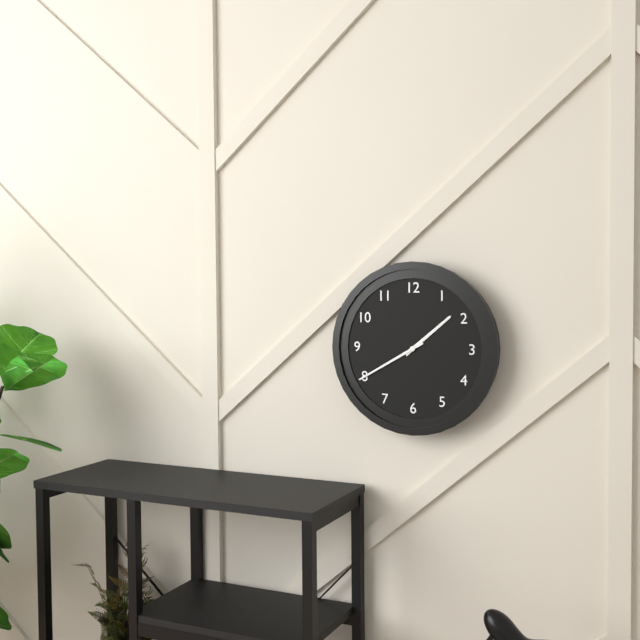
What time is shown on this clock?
1:40
